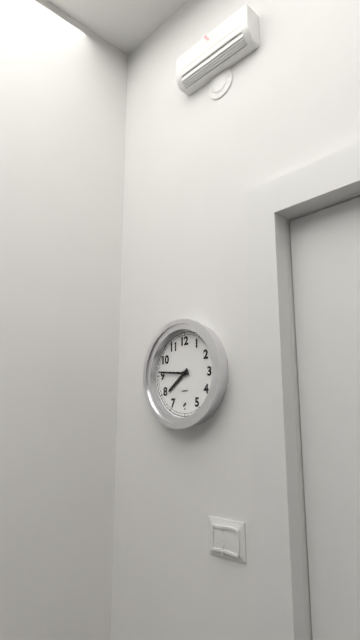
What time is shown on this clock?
7:46
